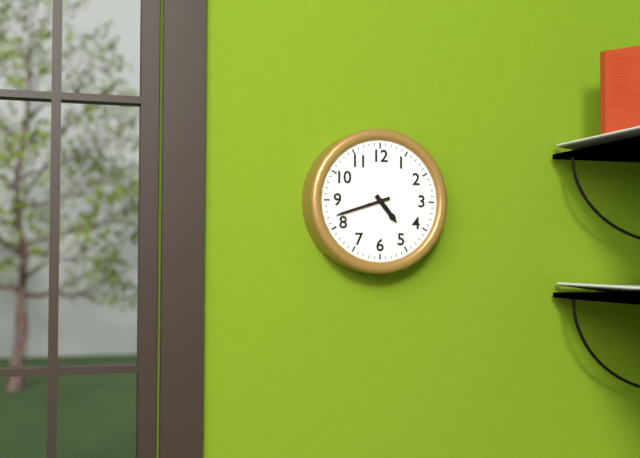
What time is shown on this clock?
4:42
